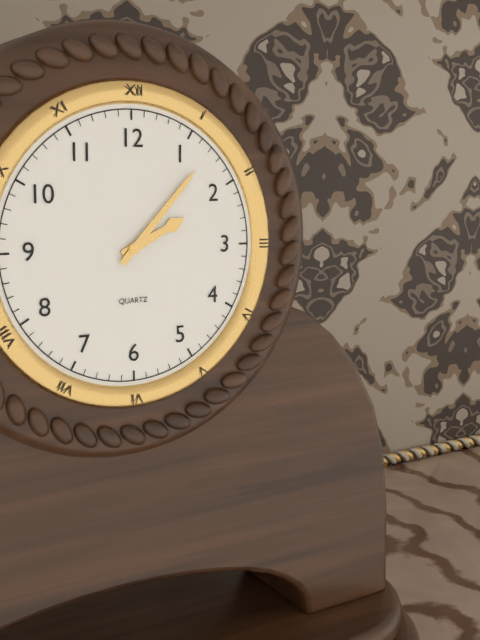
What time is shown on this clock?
2:07
